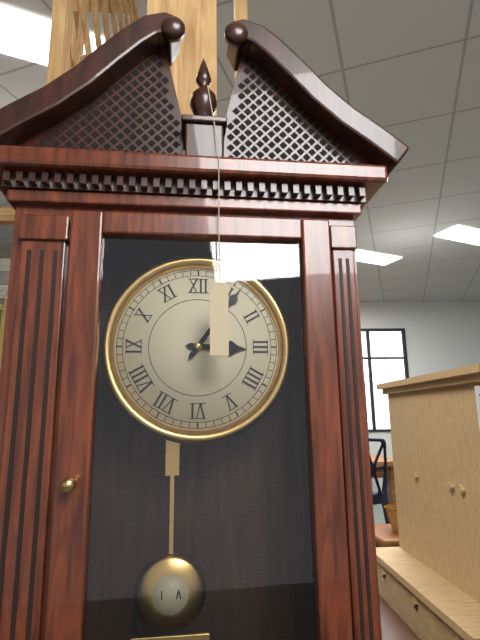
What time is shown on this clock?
3:06
